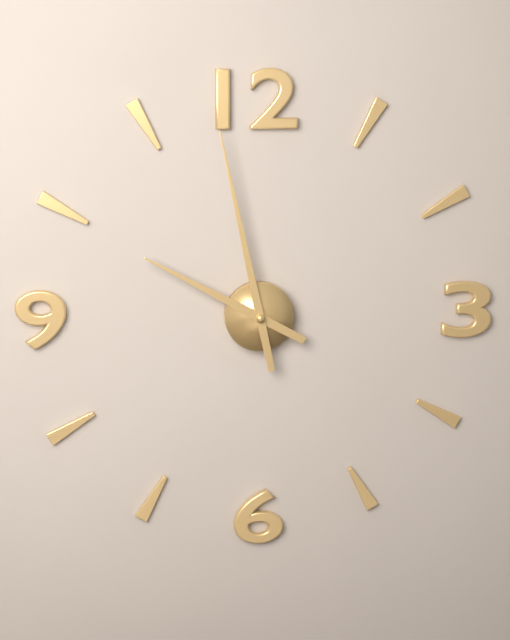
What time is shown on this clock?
9:58
